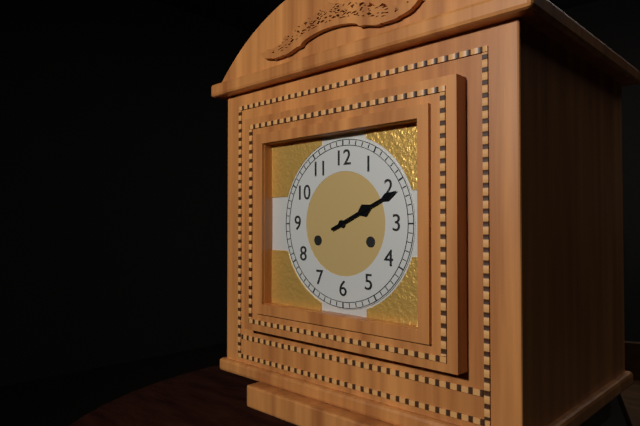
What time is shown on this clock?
2:11
